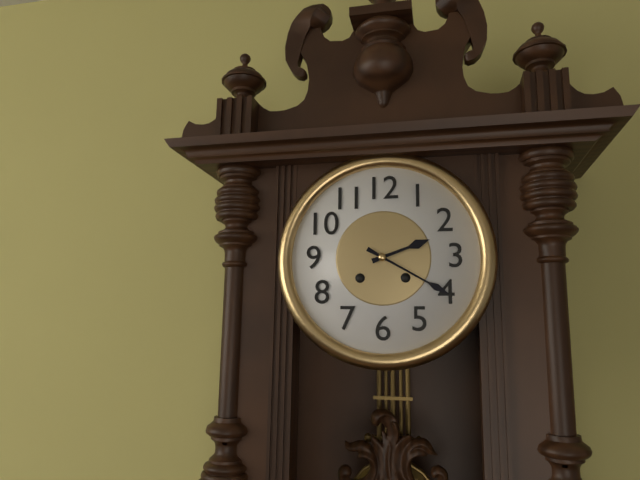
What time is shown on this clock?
2:20
